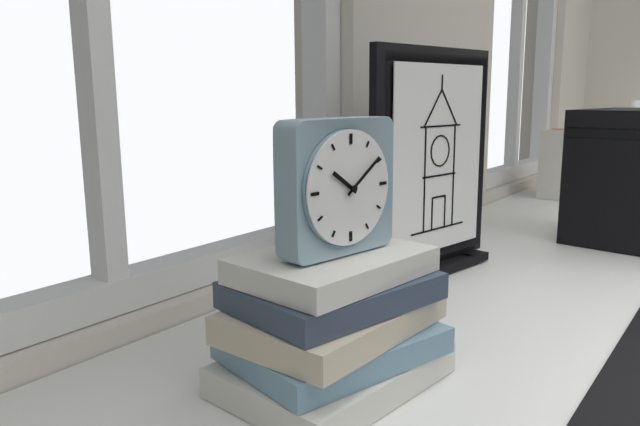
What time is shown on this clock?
10:09
